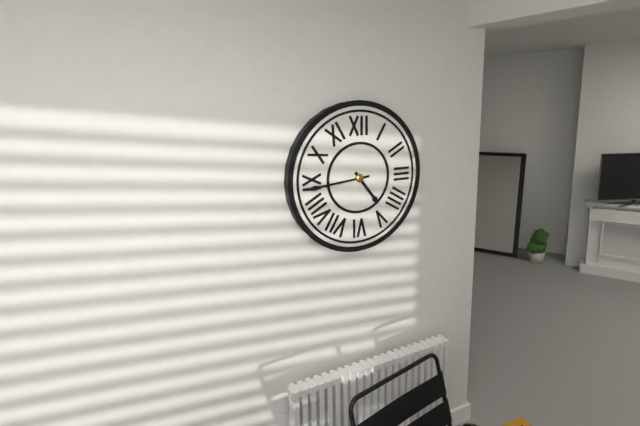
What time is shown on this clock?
4:44
